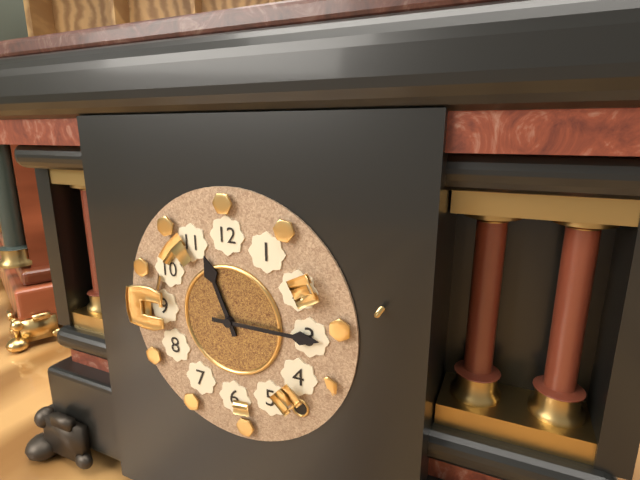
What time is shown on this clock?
11:15
